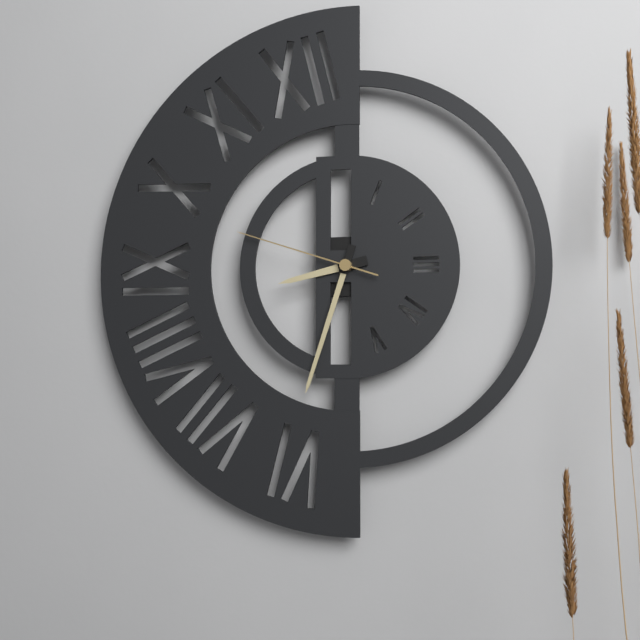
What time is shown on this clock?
8:33:48
